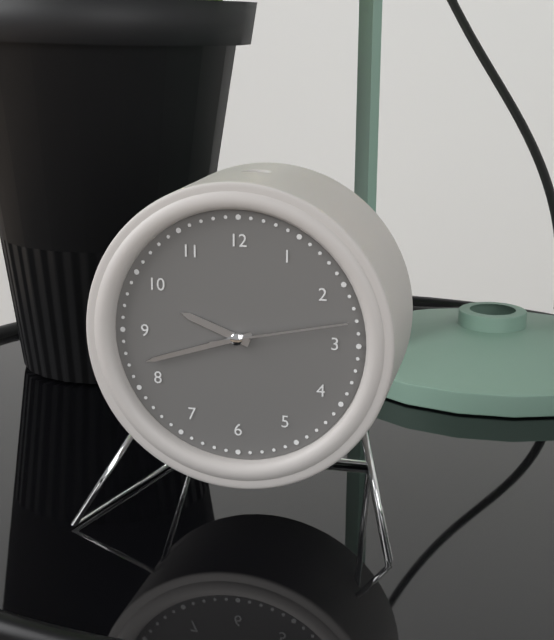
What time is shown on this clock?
9:42:13
